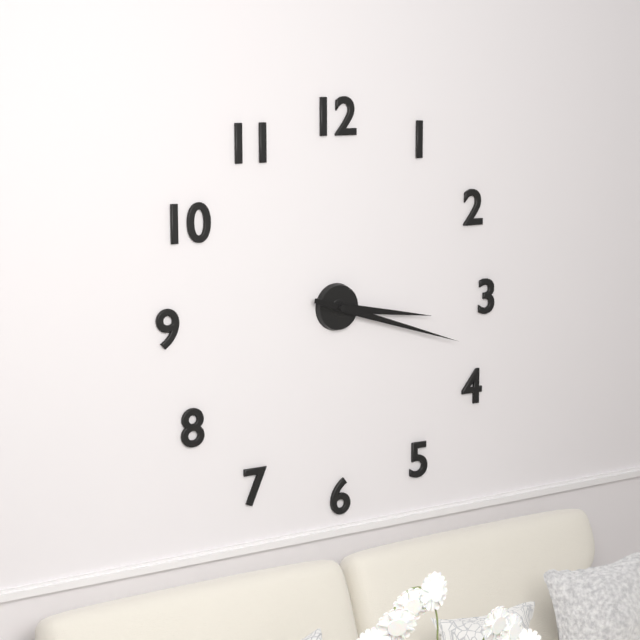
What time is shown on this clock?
3:18
